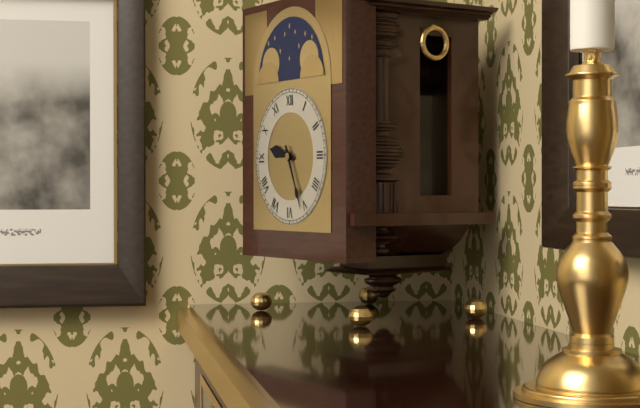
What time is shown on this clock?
9:26
